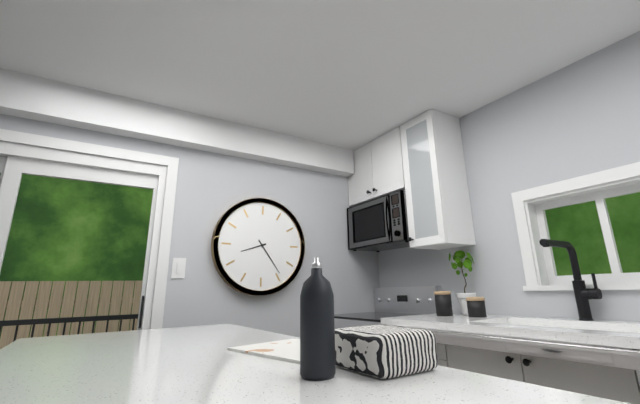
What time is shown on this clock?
8:24
